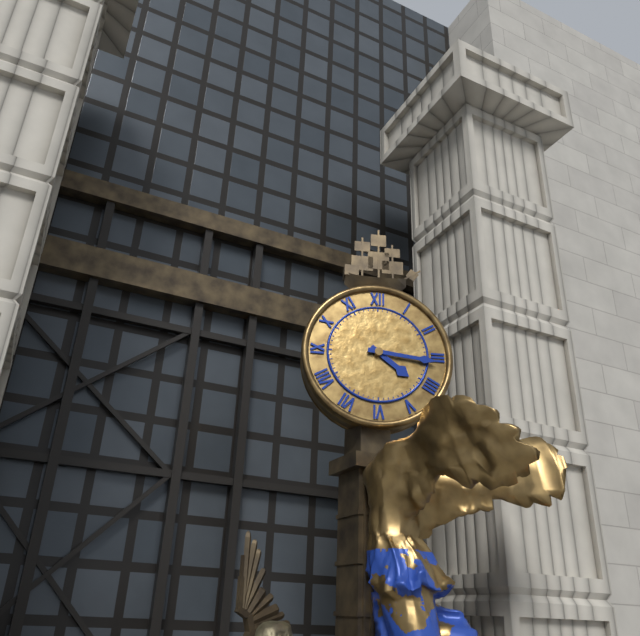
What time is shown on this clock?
4:16
